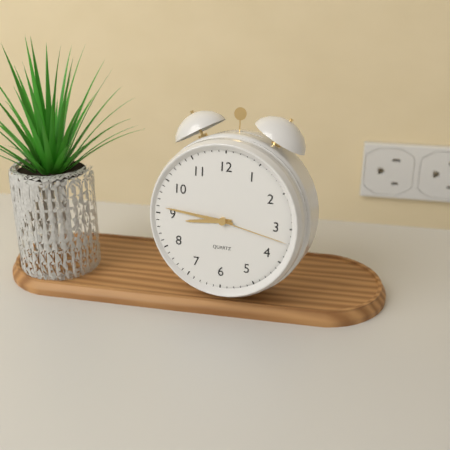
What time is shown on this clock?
8:46:17
